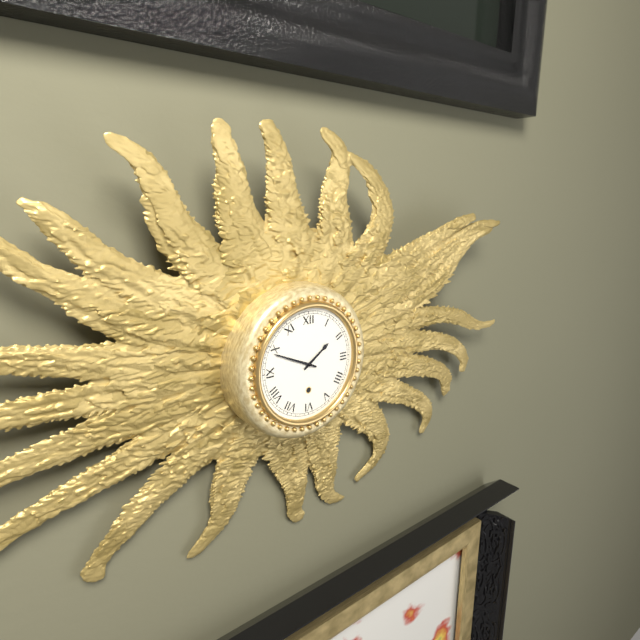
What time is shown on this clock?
1:49
